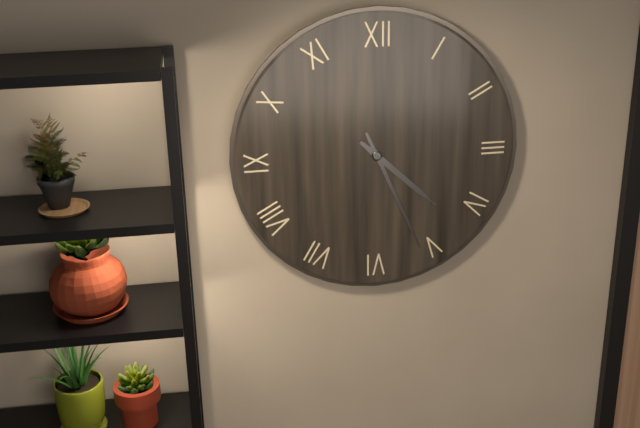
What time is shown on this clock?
4:26
